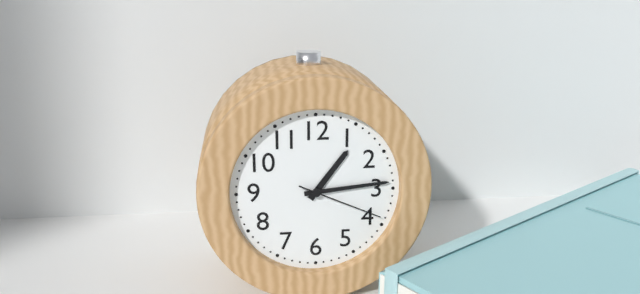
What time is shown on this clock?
1:14:19
